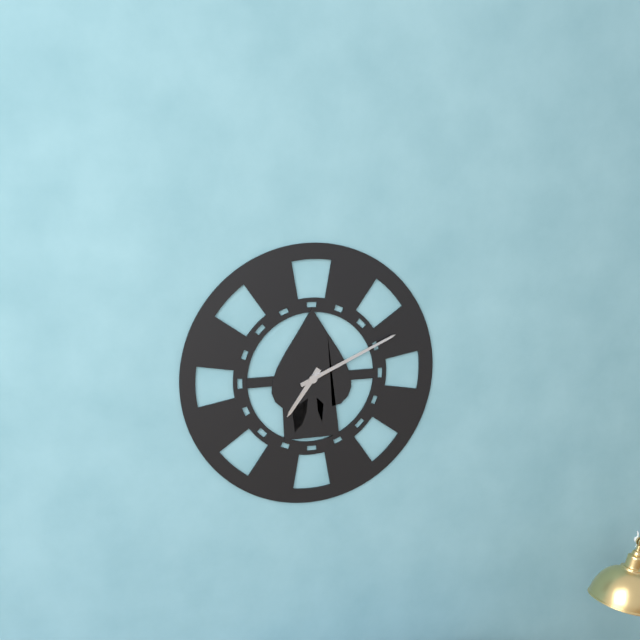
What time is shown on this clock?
7:11
